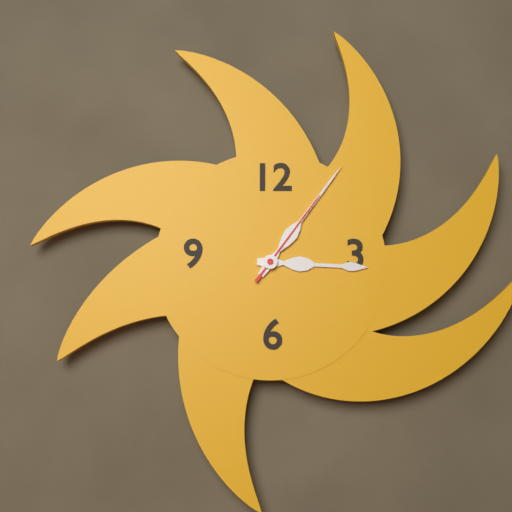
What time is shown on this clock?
3:06:06
